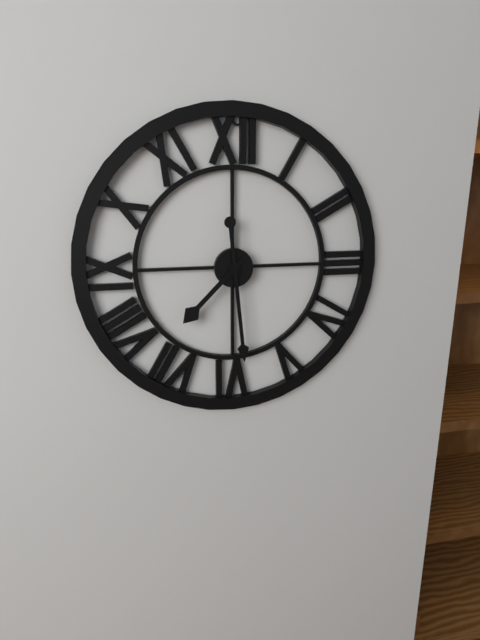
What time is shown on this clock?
7:29
